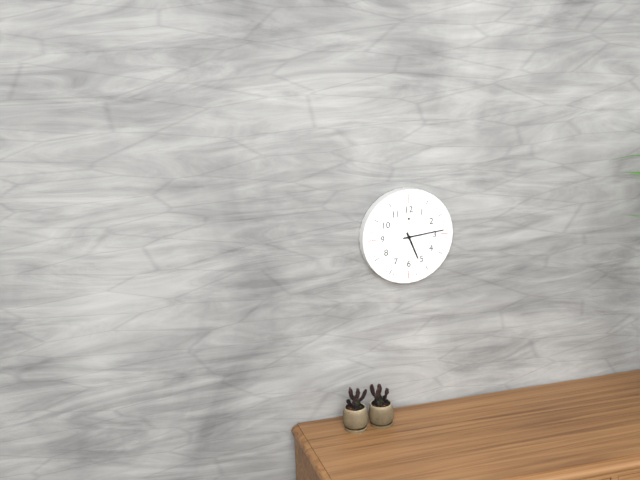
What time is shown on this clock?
5:14
